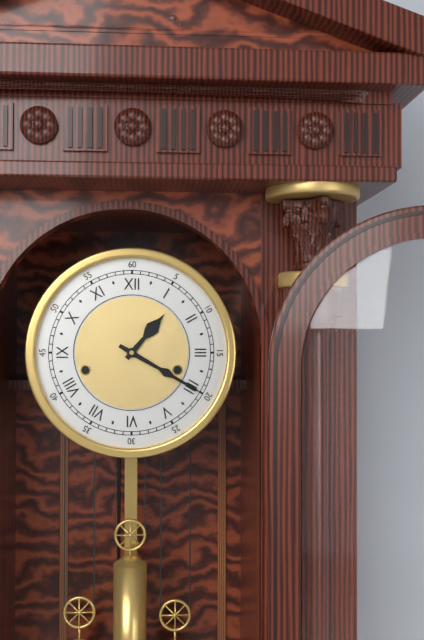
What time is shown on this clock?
1:20
